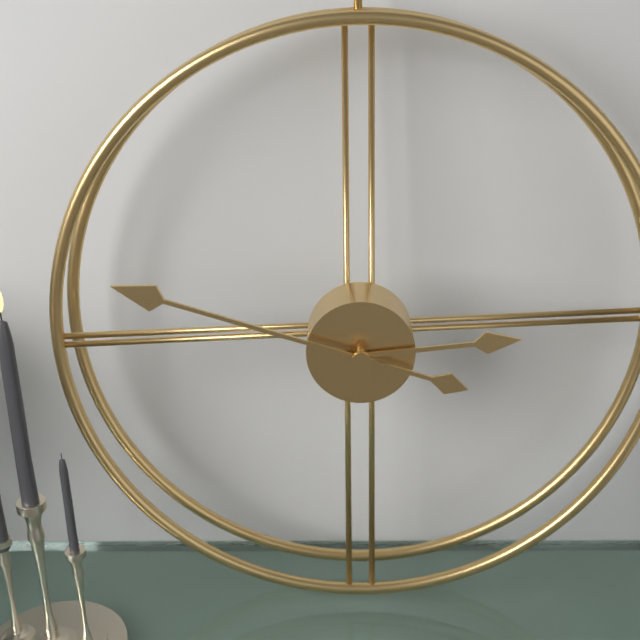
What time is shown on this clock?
2:48
